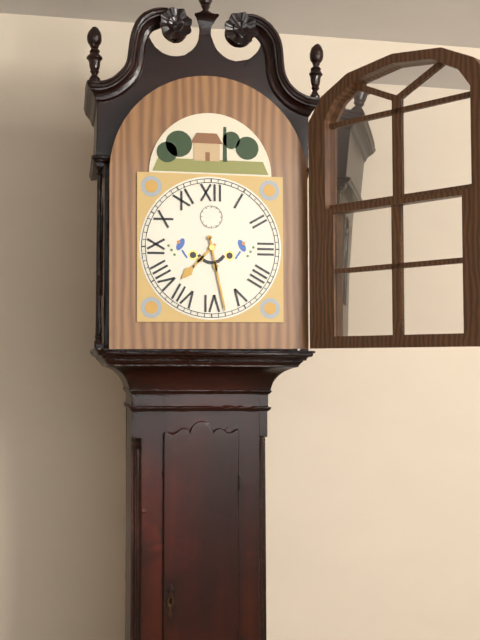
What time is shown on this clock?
7:28
